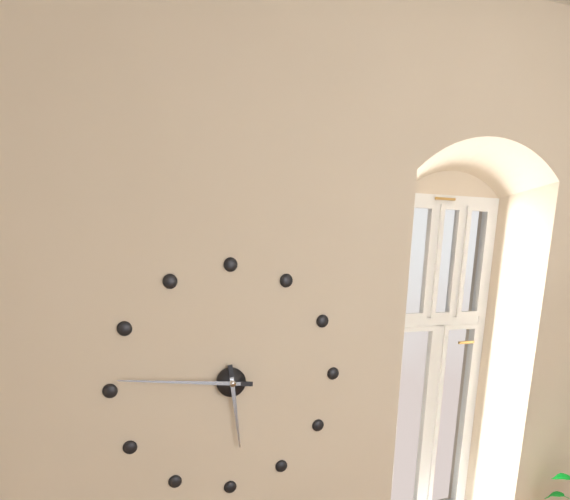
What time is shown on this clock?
5:46
